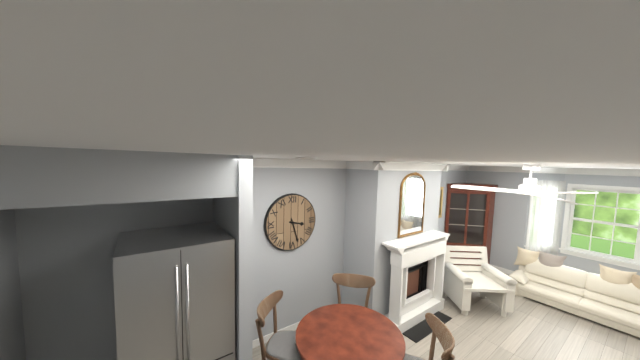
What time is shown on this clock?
3:27
